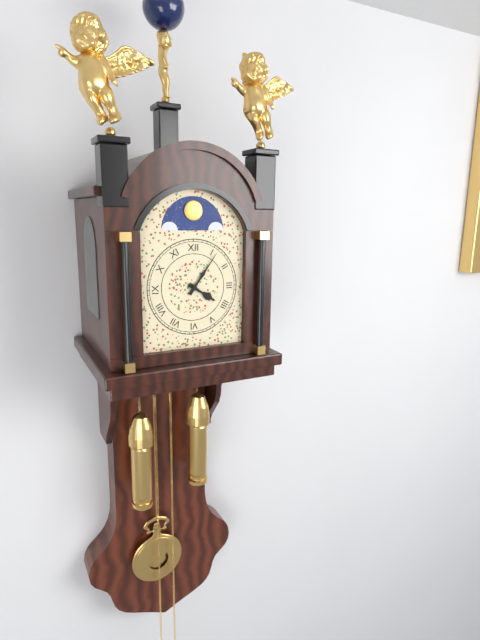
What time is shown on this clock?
4:06
